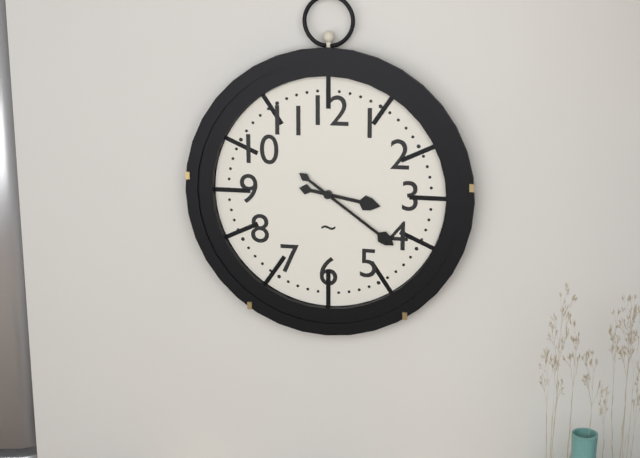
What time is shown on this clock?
3:21
